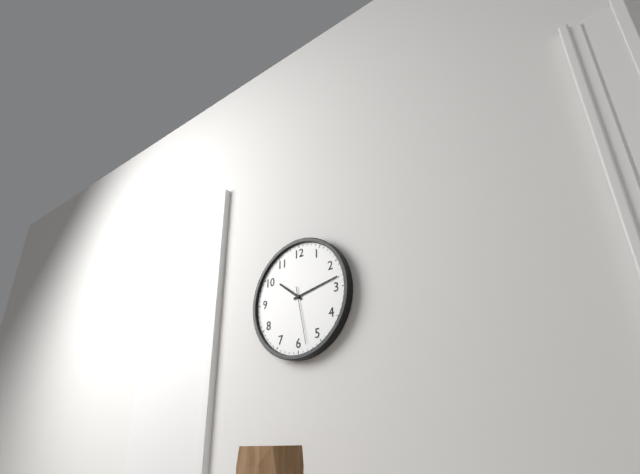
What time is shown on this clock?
10:13:28
